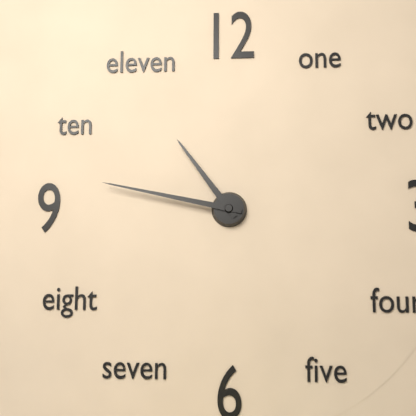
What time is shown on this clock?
10:47
